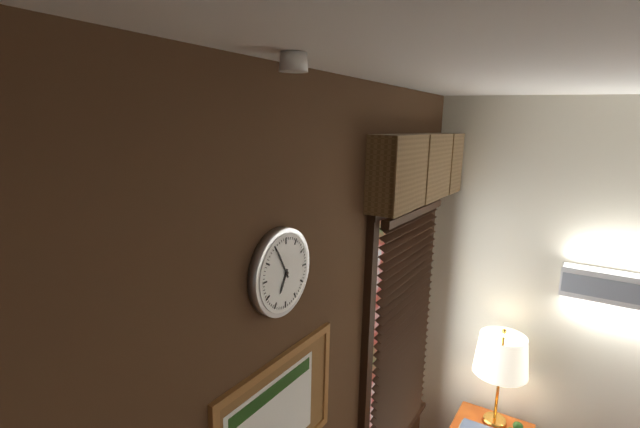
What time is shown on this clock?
6:55
